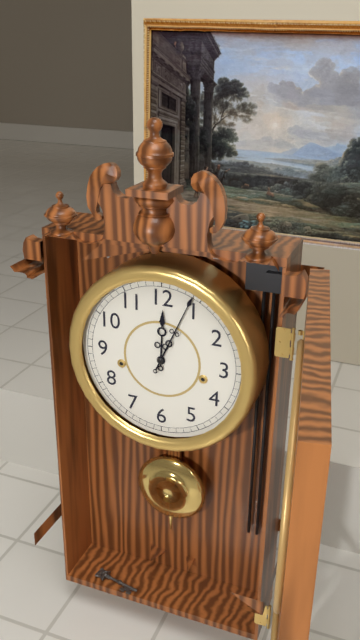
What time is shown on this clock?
12:04
